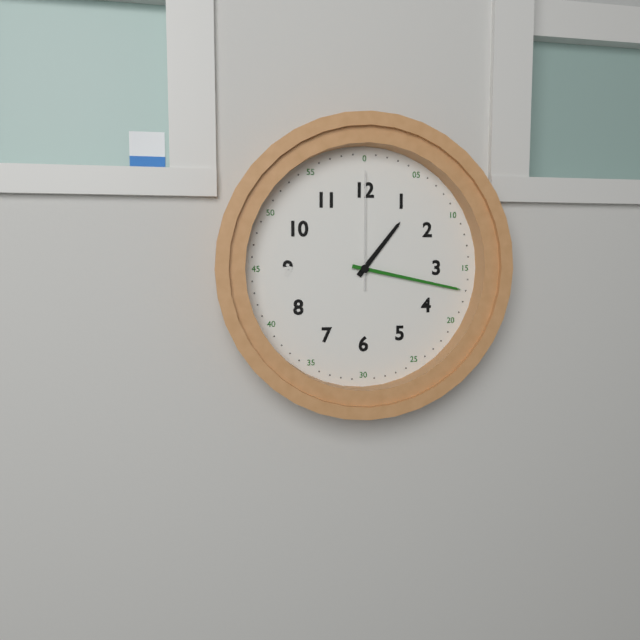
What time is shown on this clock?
1:17:00
